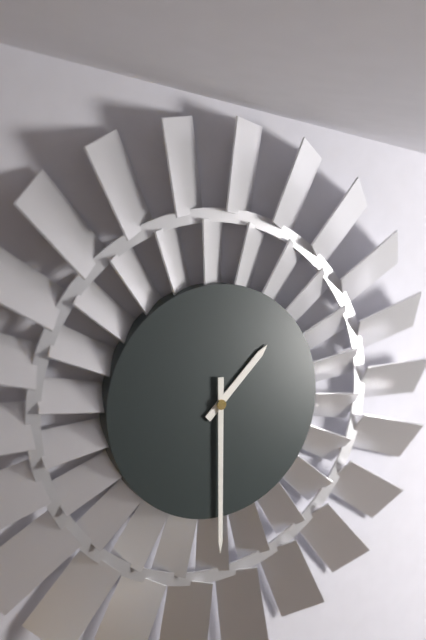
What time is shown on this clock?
1:30
